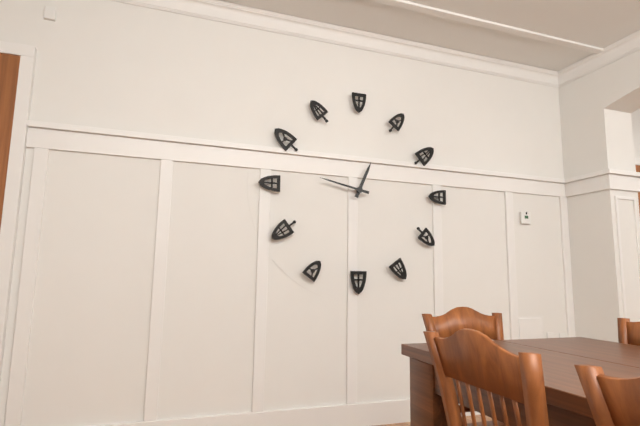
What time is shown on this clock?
12:47
